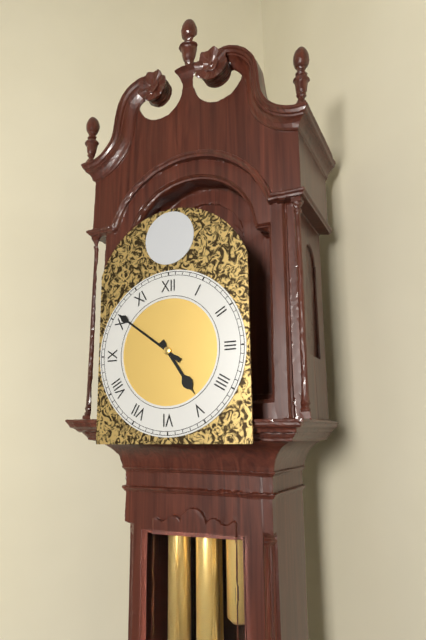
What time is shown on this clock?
4:51
